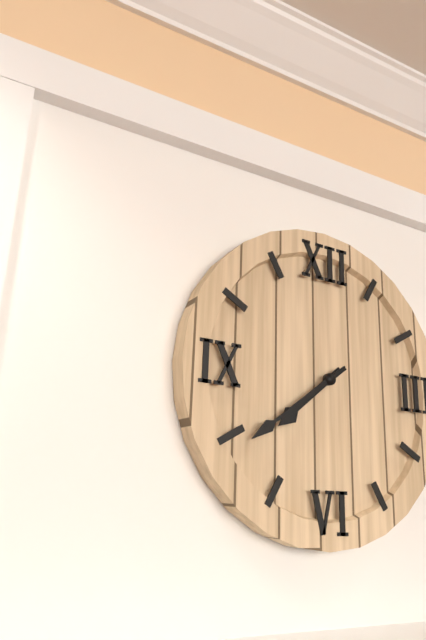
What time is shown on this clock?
7:39
